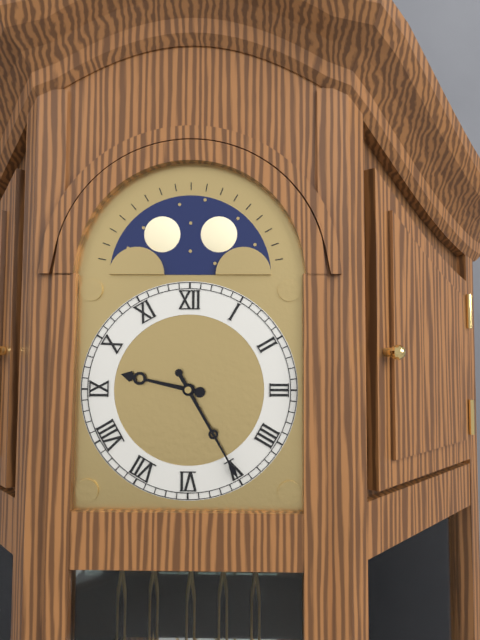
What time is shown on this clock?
9:25
